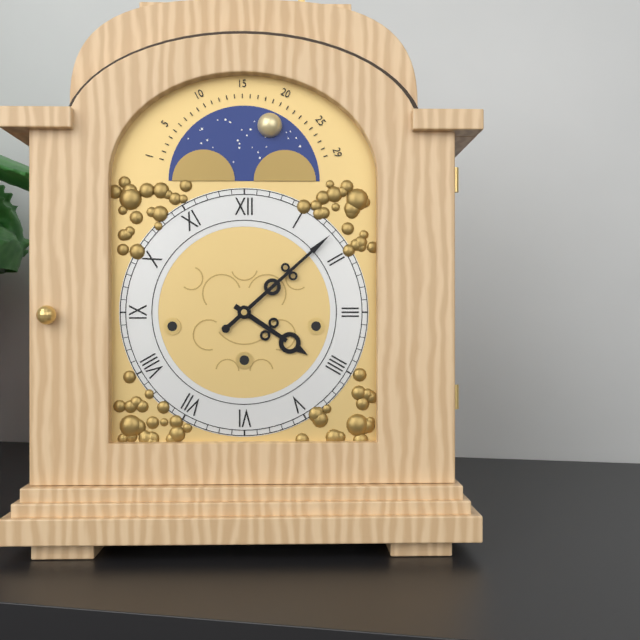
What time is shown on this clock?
4:08
